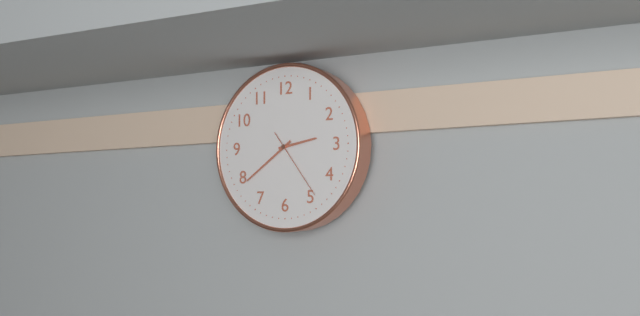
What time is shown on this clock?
2:39:24
